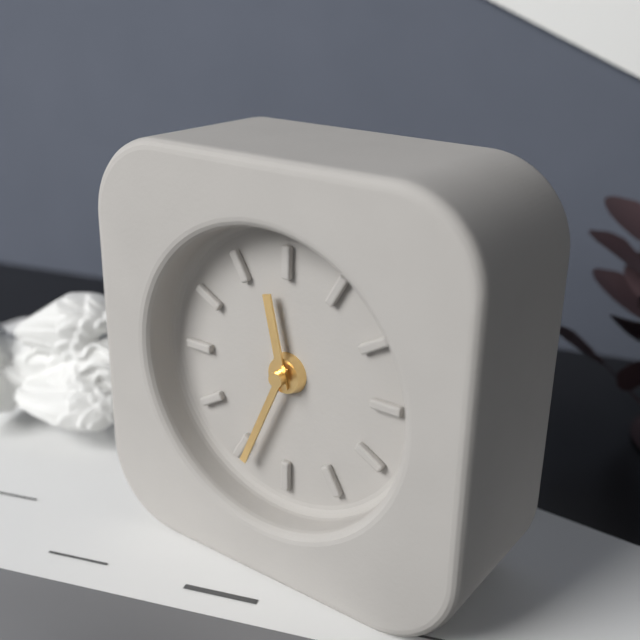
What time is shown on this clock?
11:34
